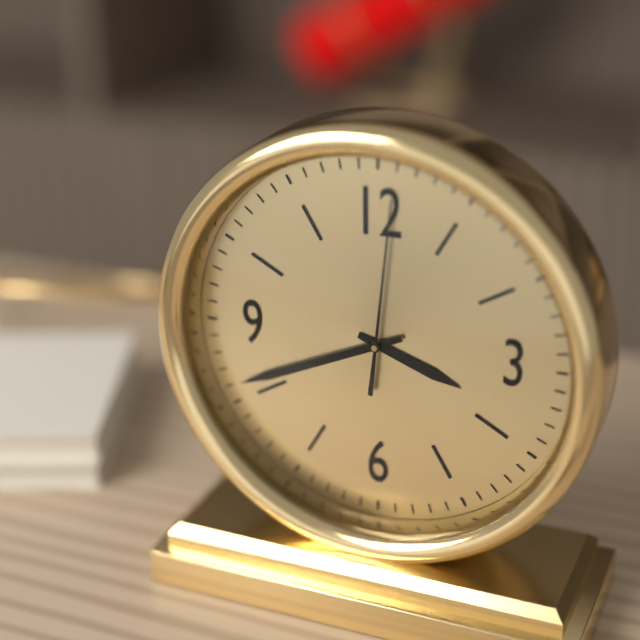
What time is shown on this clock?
3:41:01
